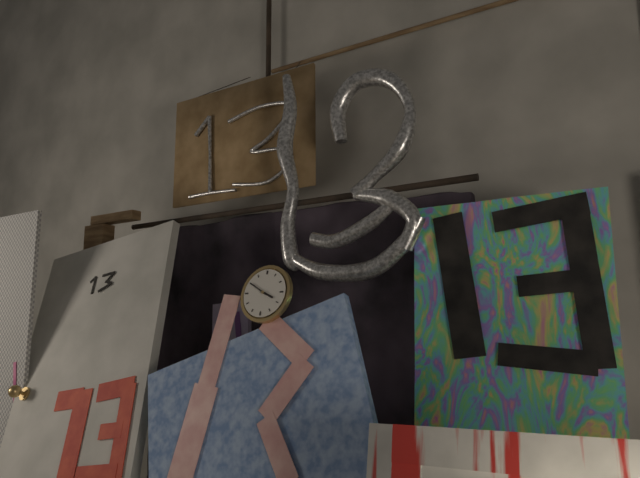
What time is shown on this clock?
3:50
